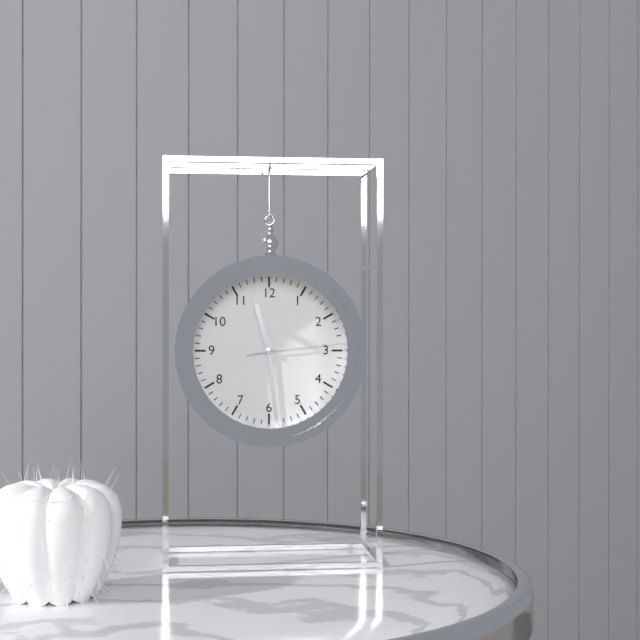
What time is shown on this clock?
11:29:14
